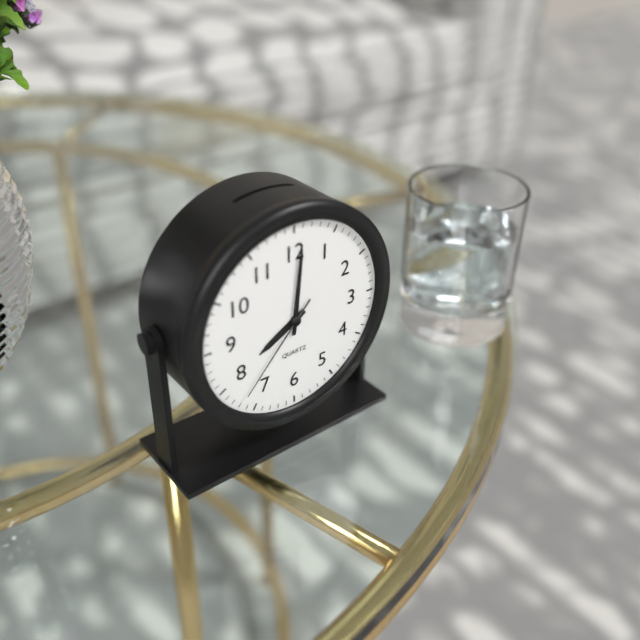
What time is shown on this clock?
8:01:37
